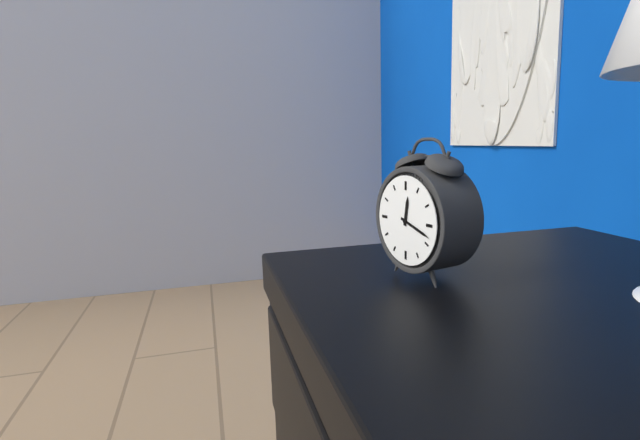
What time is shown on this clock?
12:18
